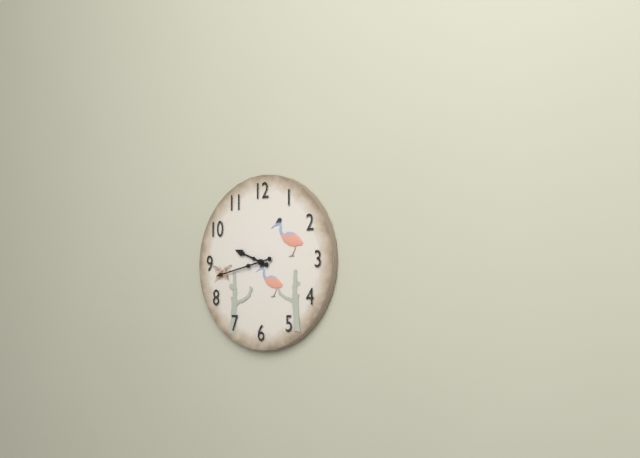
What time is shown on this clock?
9:43
